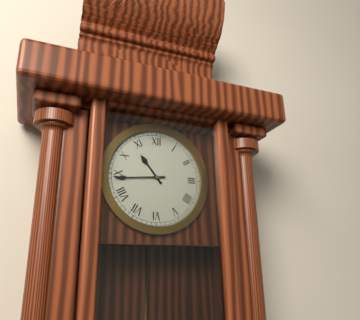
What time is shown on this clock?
10:44
